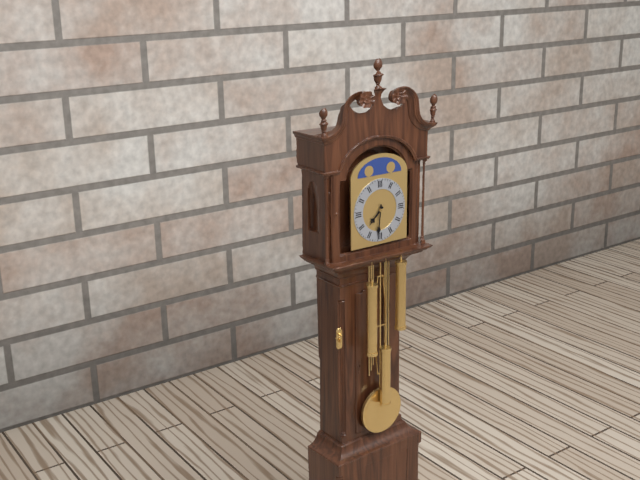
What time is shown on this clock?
7:31
